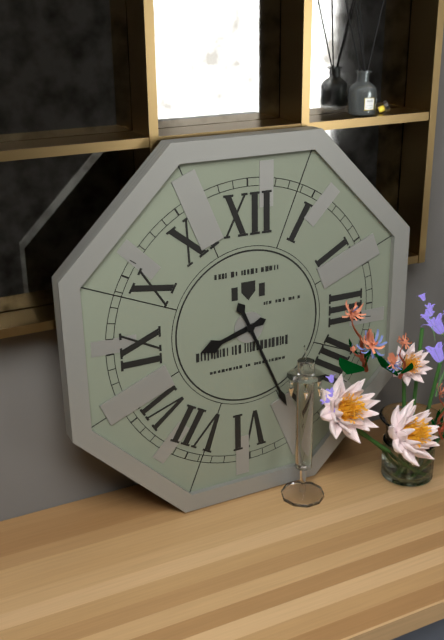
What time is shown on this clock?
8:26
